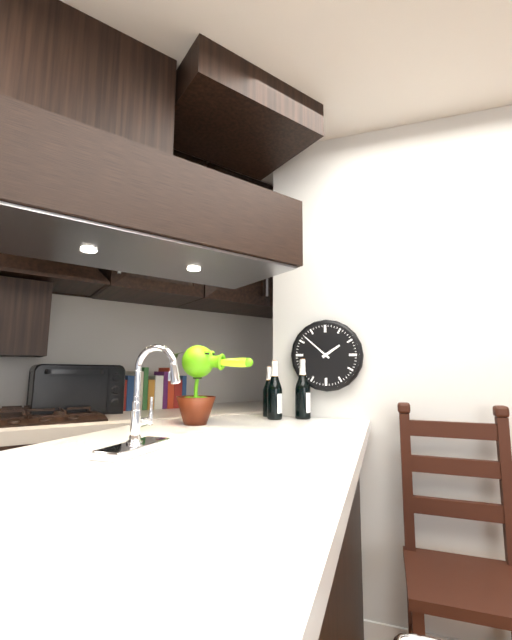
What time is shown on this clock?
1:52
